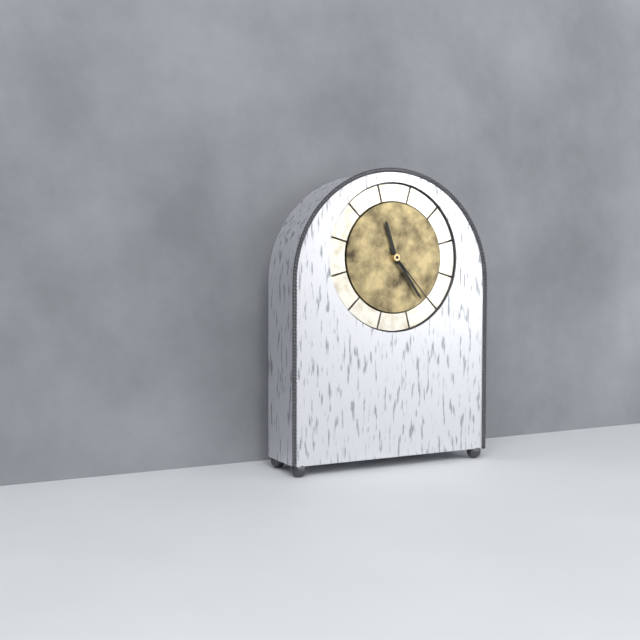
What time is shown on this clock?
11:24:23
